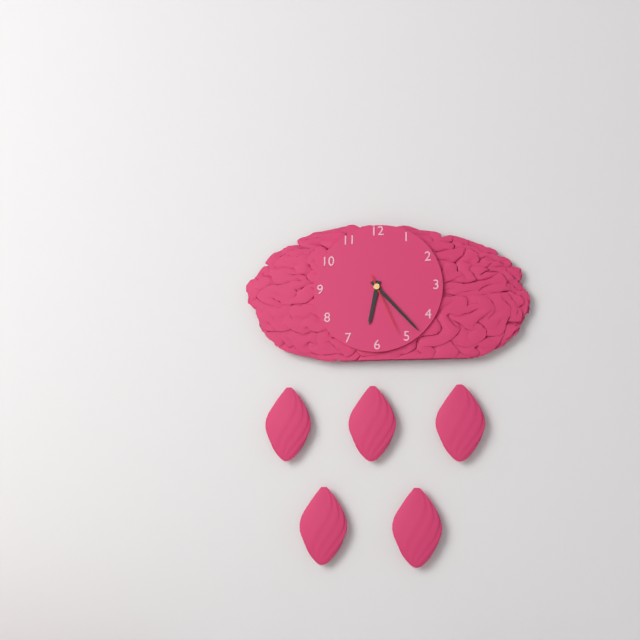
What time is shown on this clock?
6:23:26
